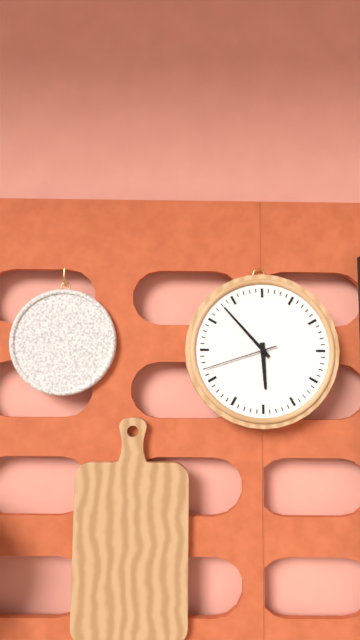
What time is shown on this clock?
5:53:42
